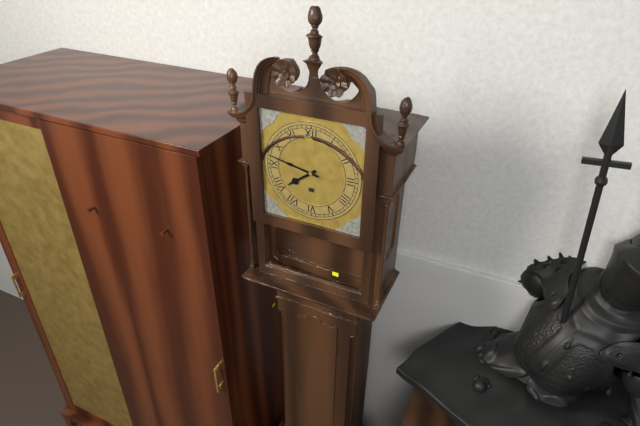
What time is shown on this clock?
7:47
